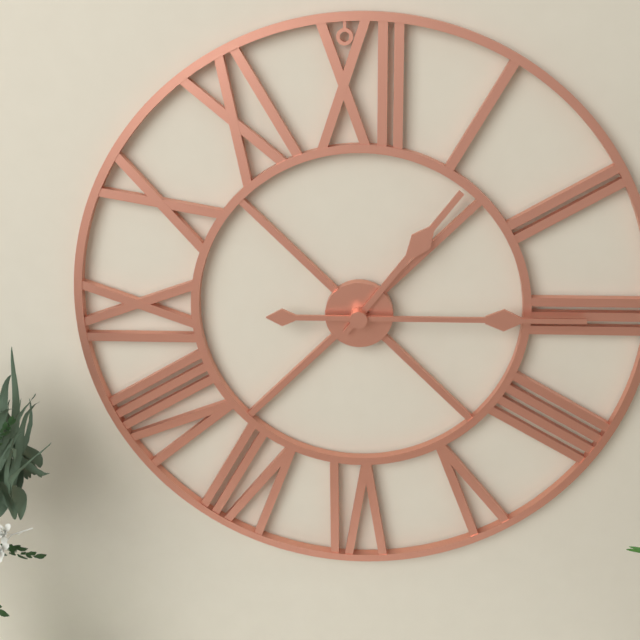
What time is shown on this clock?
1:15
